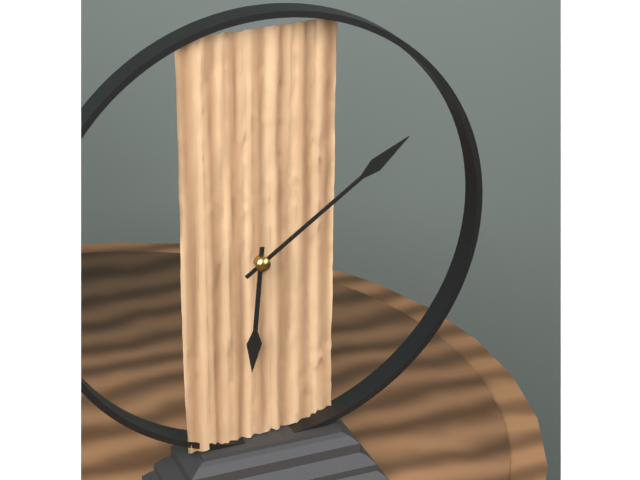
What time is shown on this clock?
6:09
